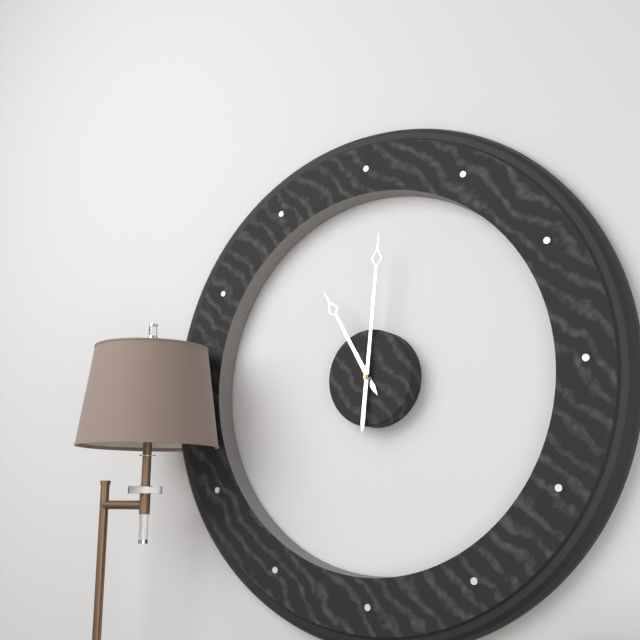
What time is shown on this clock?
11:01
